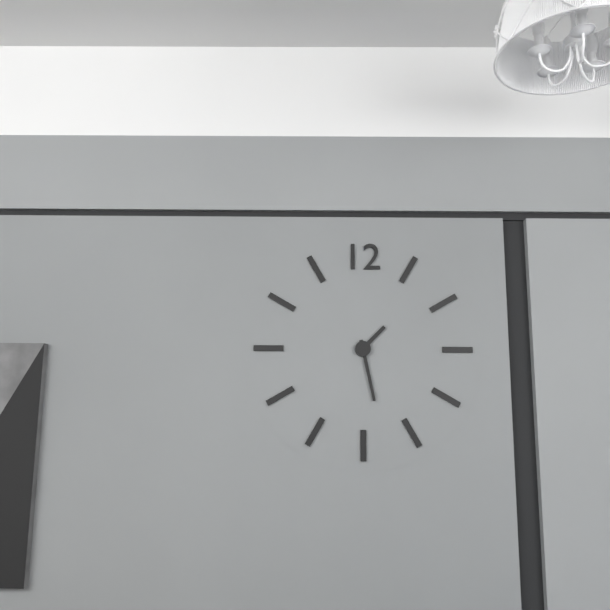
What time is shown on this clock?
1:28
